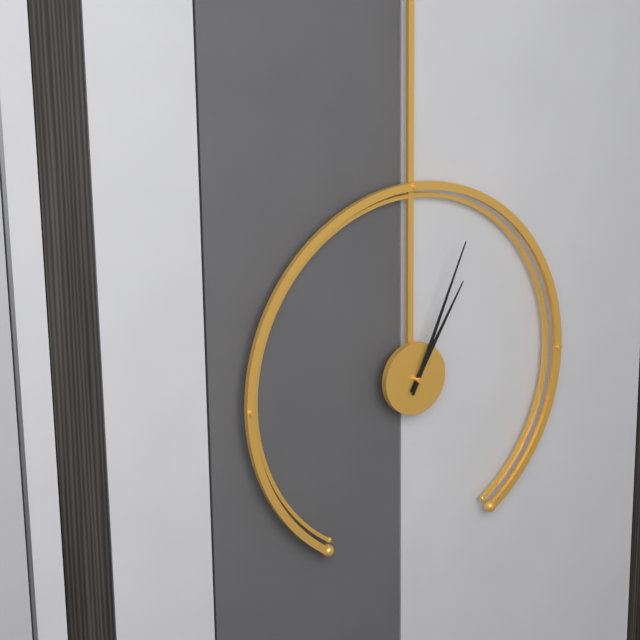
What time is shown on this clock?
1:04
